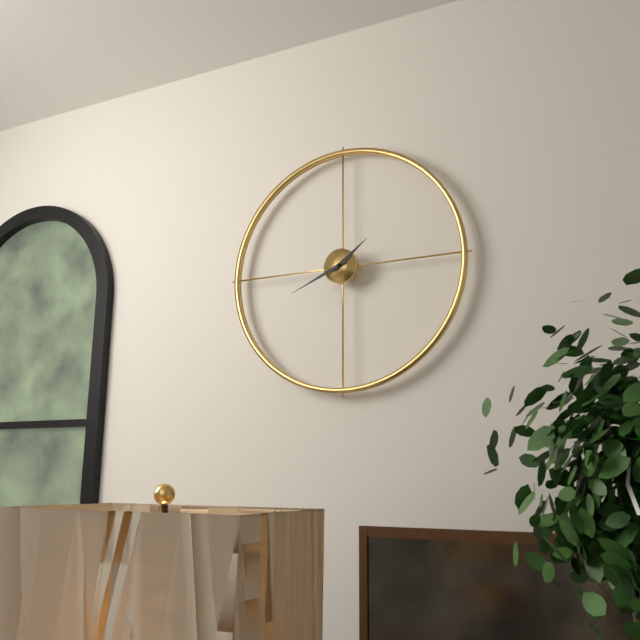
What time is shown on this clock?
1:41
